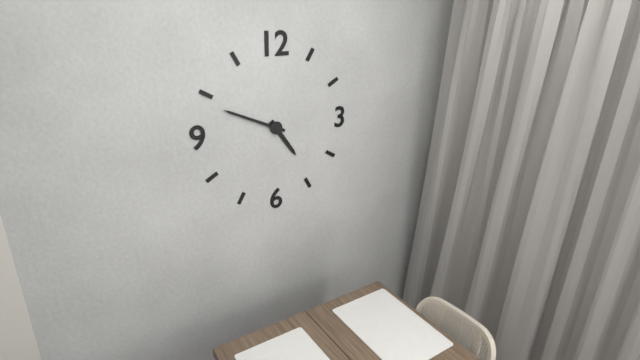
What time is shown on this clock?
4:49
